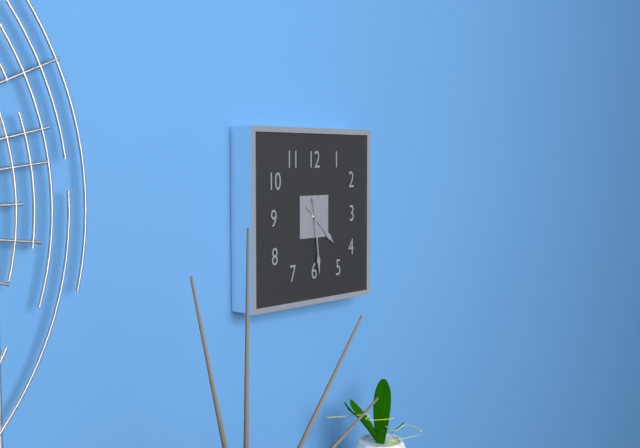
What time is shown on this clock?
4:29
